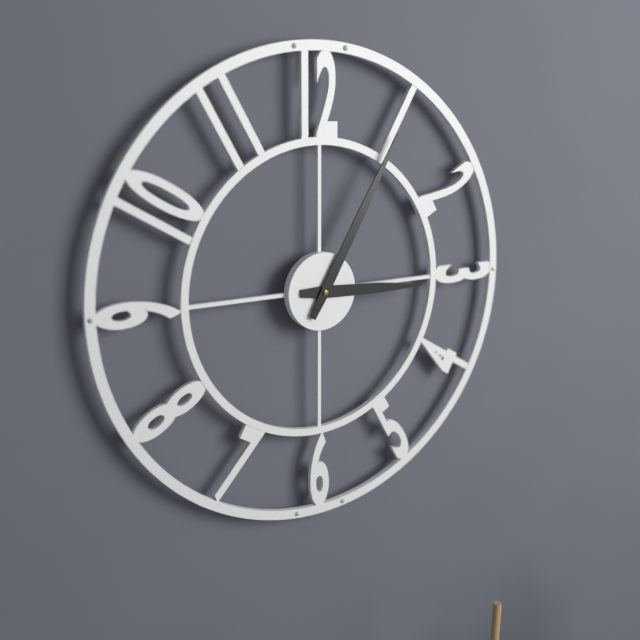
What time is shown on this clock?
3:05
